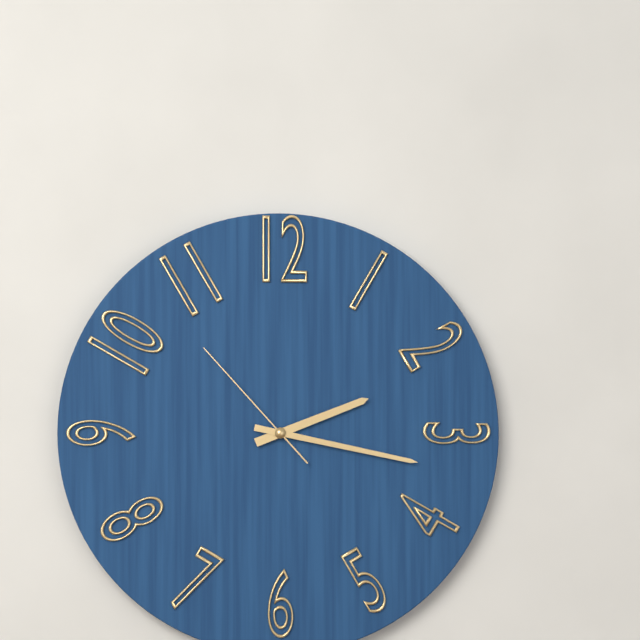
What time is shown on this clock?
2:17:53
